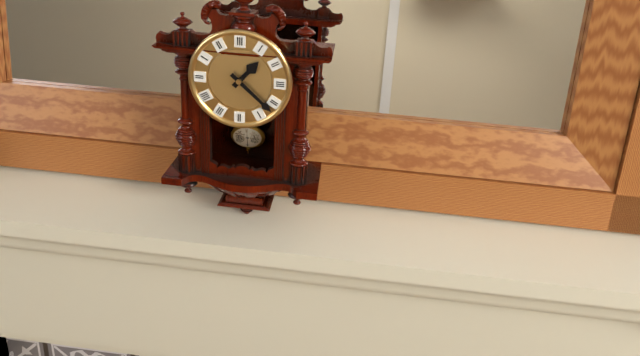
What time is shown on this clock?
1:22
